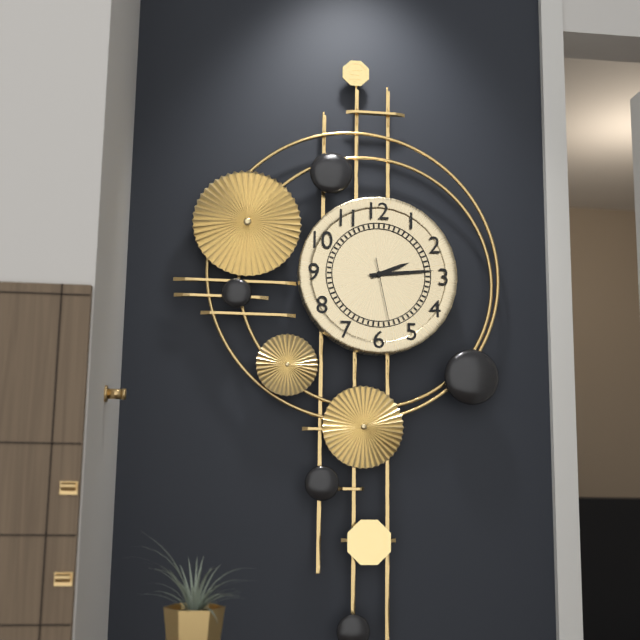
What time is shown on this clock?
2:14:28
